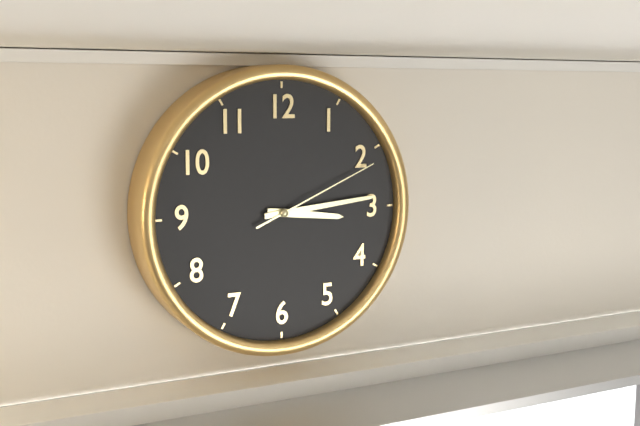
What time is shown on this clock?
3:14:11
